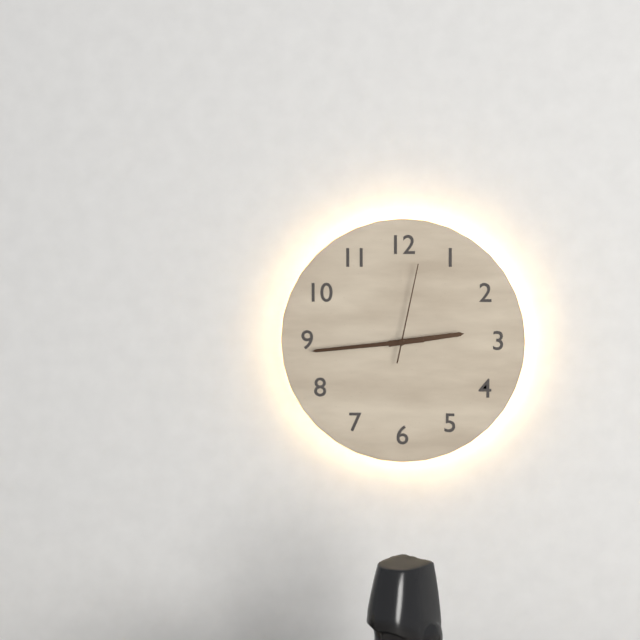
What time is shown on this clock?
2:44:02
